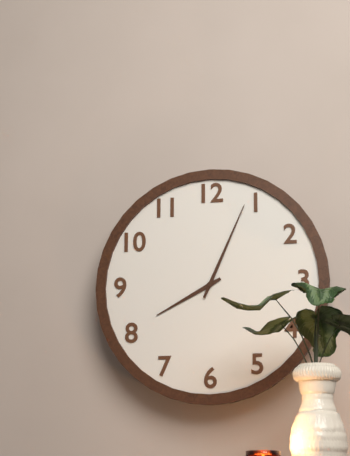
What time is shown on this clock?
8:04
